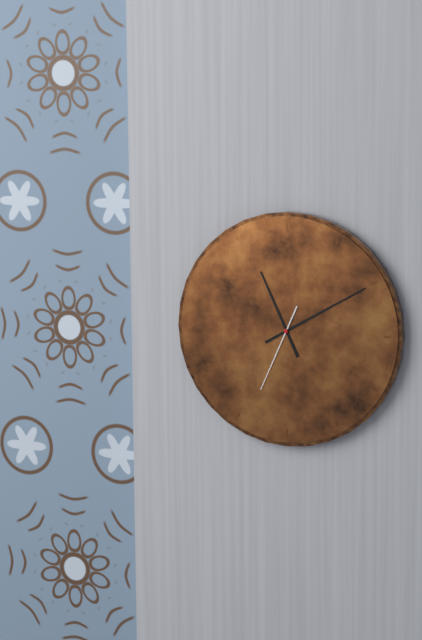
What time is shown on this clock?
11:10:34
